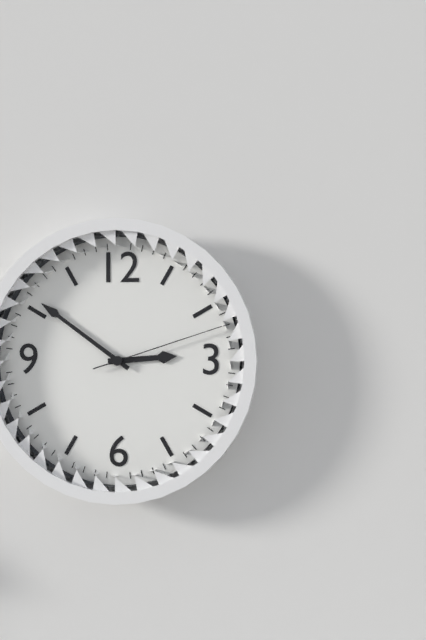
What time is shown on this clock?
2:51:12
